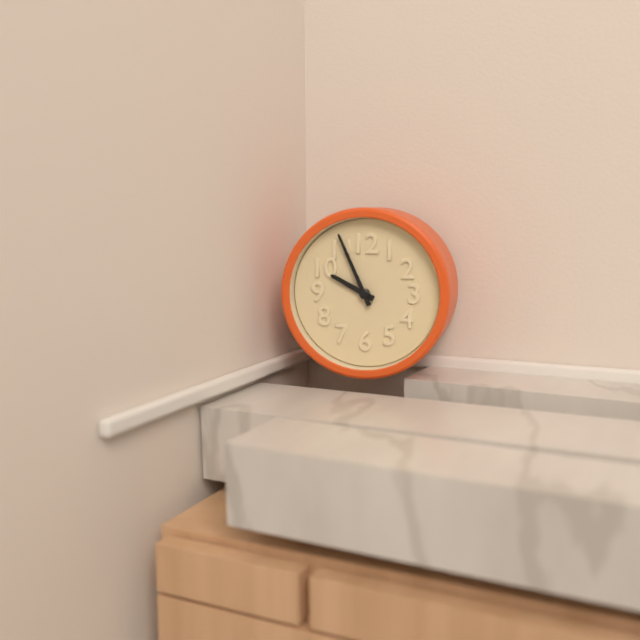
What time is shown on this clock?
9:56
